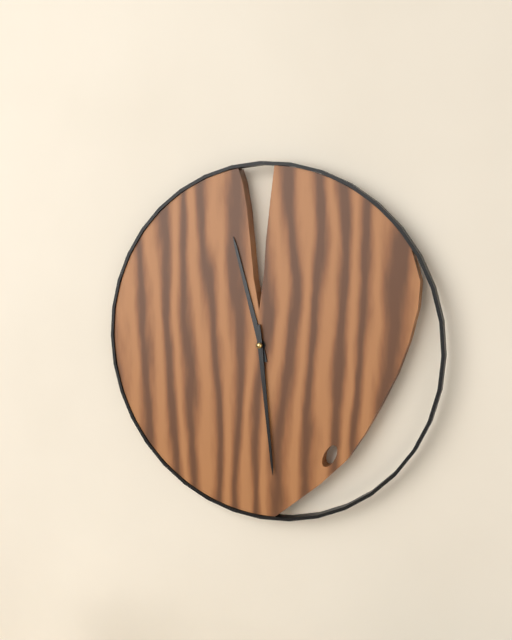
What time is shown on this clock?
11:29
